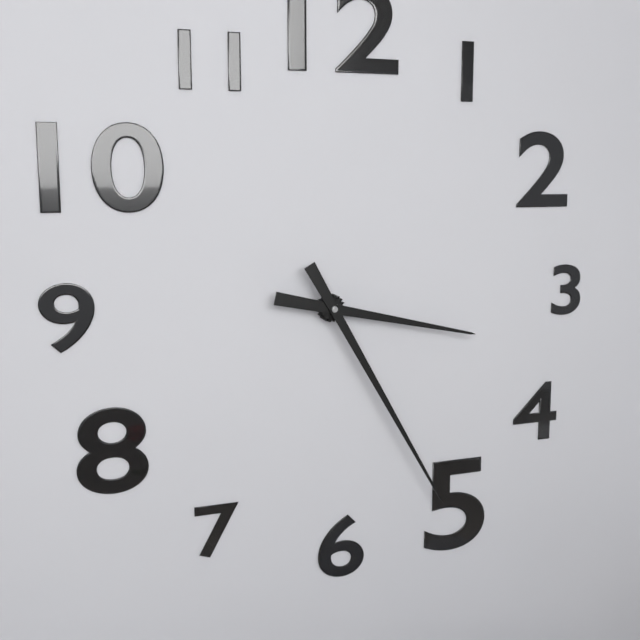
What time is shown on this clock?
3:25
